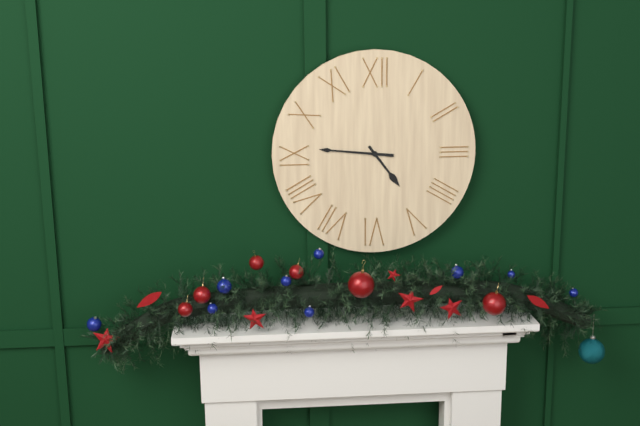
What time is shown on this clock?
4:46
